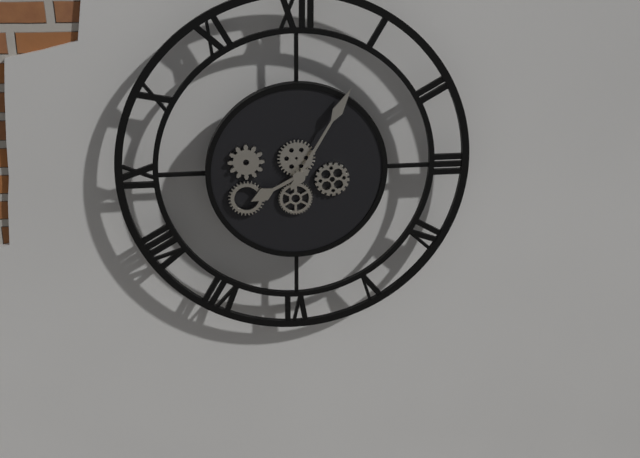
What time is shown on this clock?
8:05
